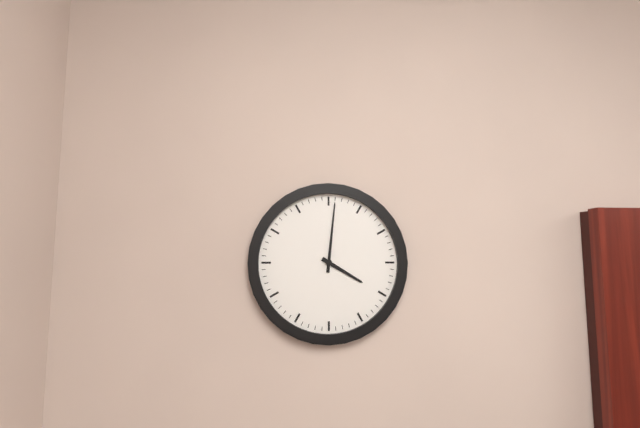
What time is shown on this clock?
4:01
